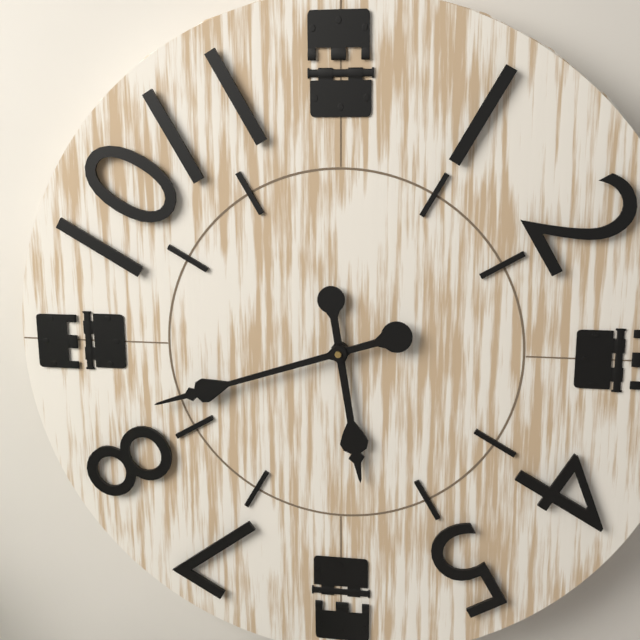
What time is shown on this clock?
5:42
